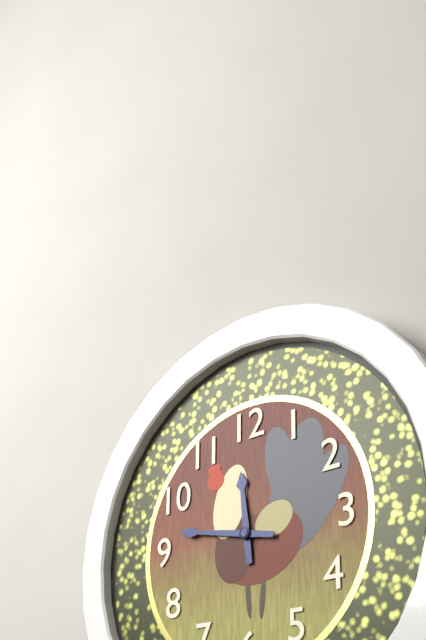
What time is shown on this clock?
11:47
